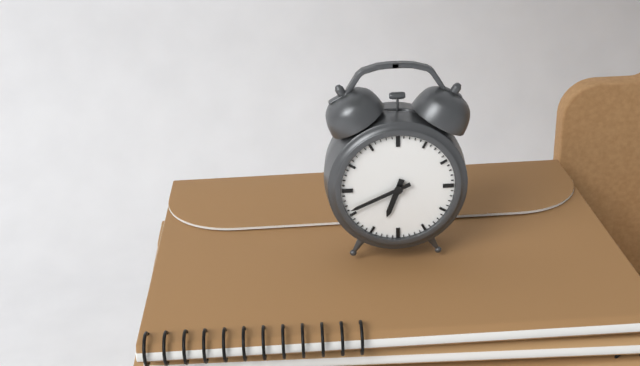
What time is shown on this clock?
6:41
